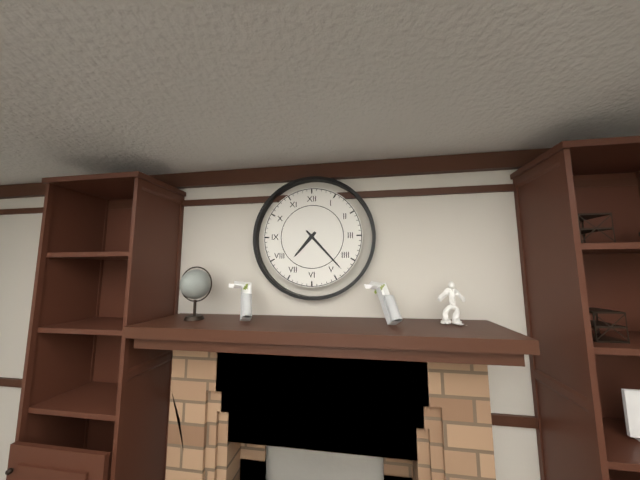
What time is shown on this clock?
7:23
